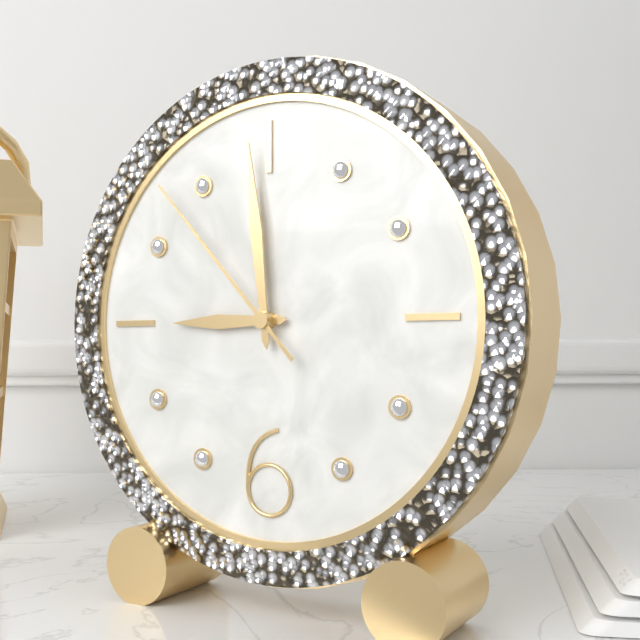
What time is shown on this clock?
8:59:53
